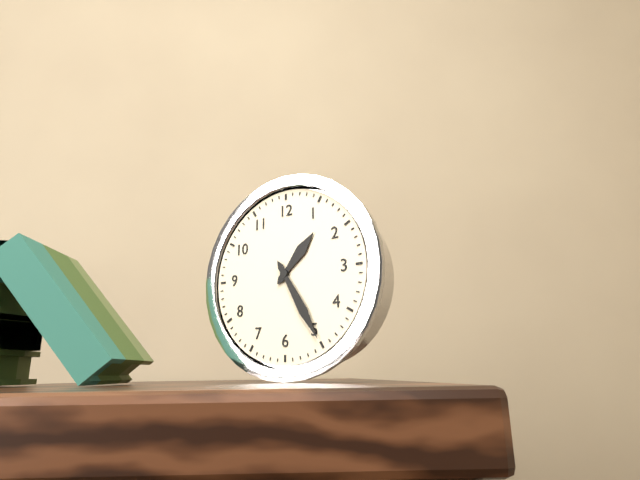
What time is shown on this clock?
1:25
